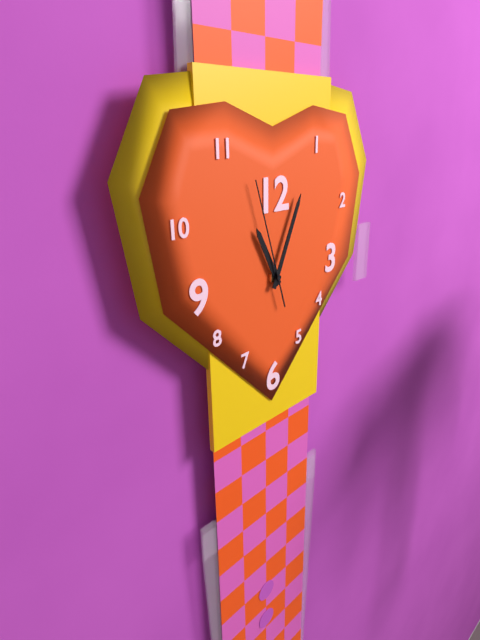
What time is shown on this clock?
11:04:57
